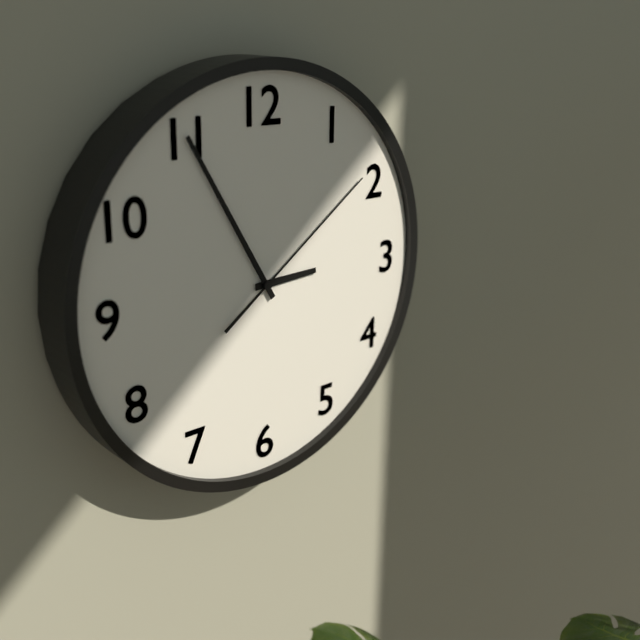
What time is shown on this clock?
2:55:09
